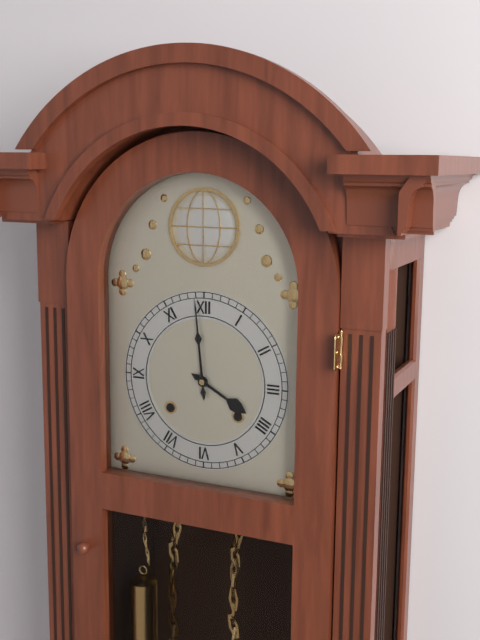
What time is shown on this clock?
3:59
